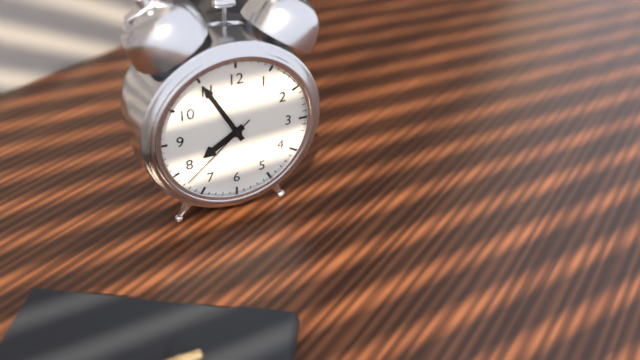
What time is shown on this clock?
7:55:38
